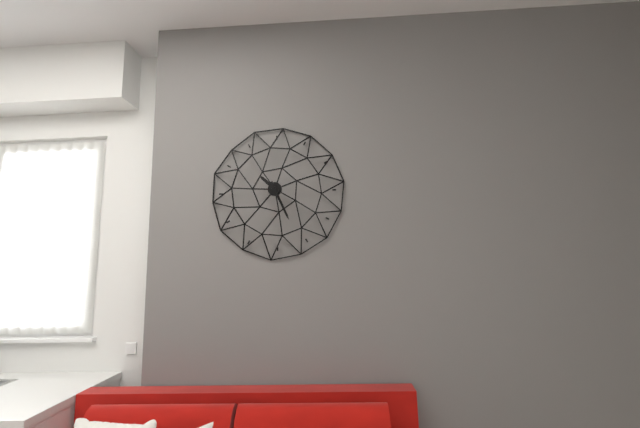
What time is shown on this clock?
10:26
